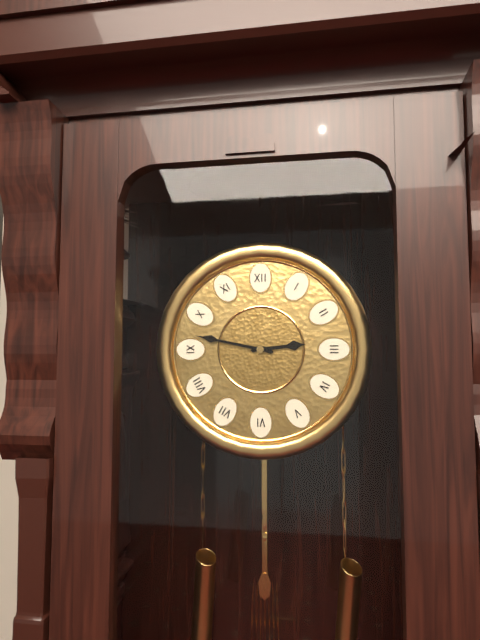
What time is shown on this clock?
2:47
